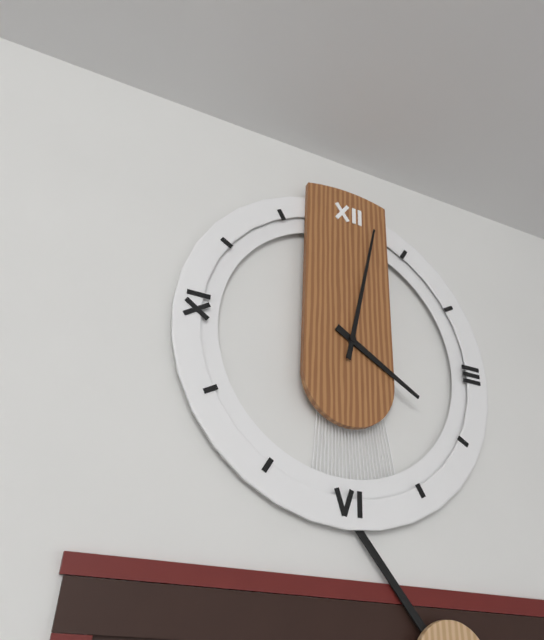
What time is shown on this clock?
4:02
